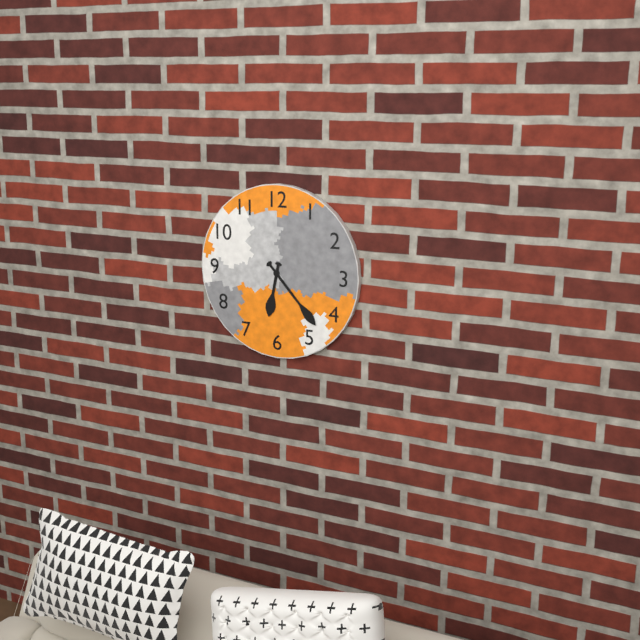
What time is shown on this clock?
6:23
